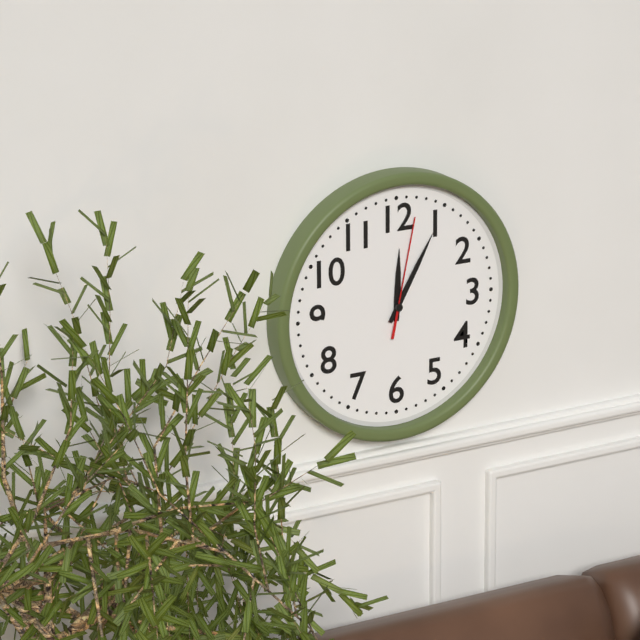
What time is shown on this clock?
12:05:02
